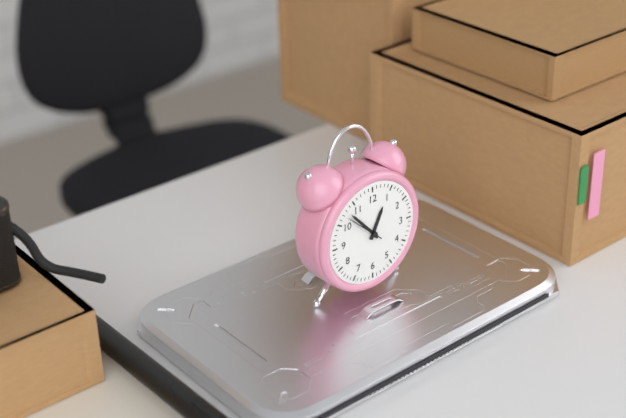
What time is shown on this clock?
12:53
